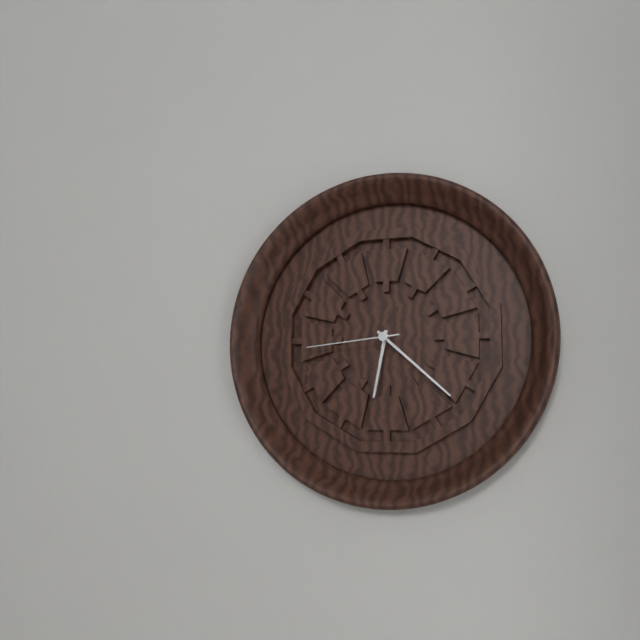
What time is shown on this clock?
6:22:44
